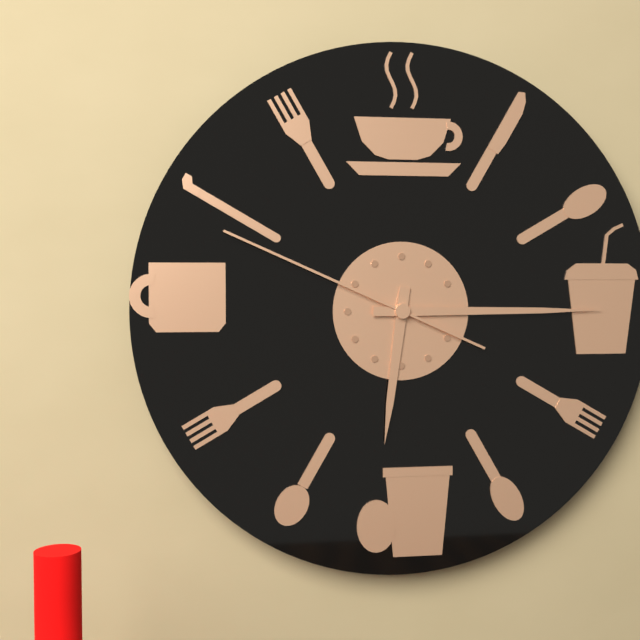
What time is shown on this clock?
6:15:49
